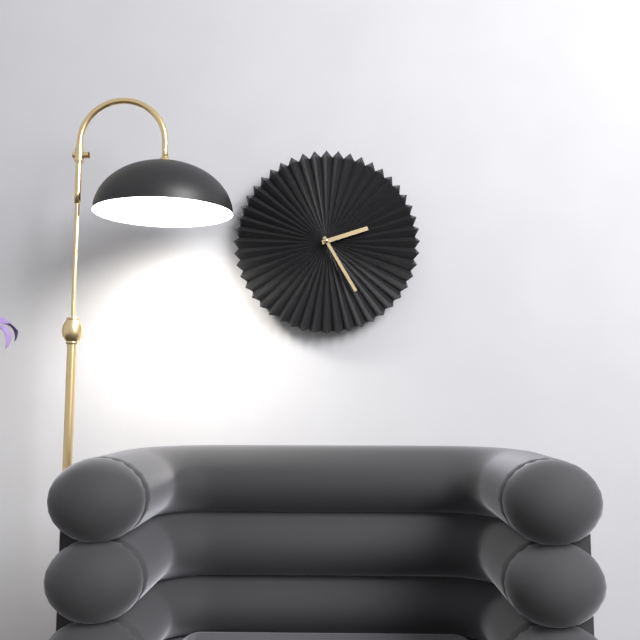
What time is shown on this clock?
2:25
